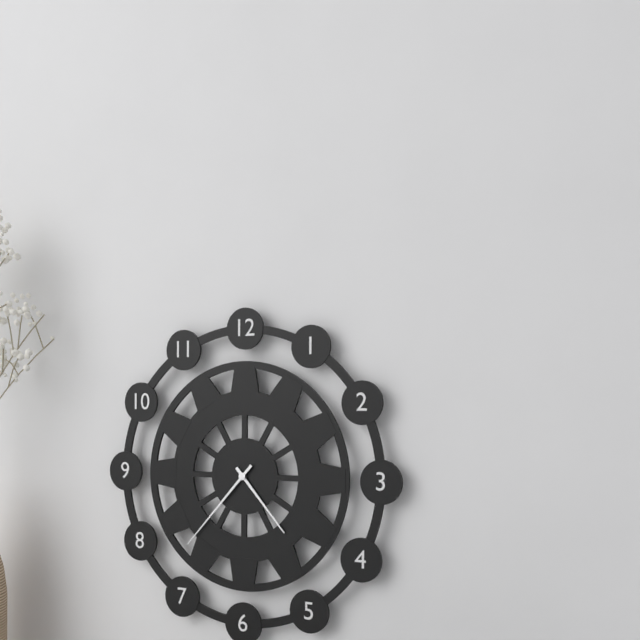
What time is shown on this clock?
4:37
